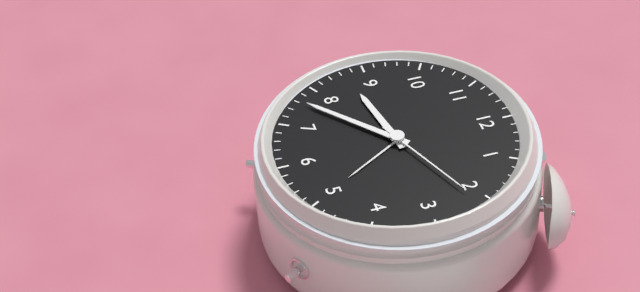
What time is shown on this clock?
8:38:11
